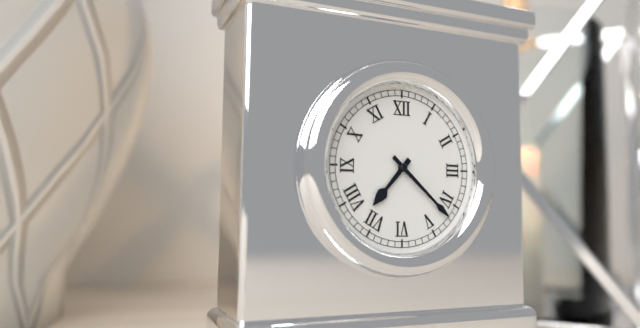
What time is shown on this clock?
7:22
